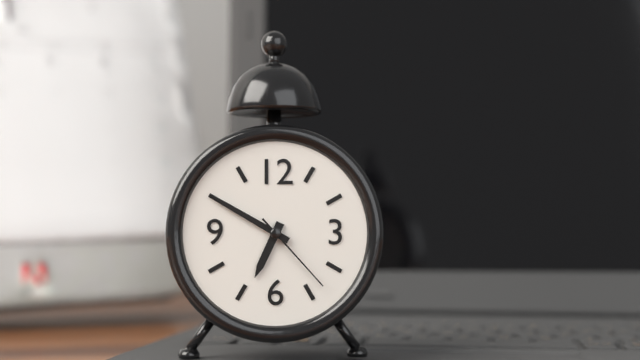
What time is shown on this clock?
6:50:23
